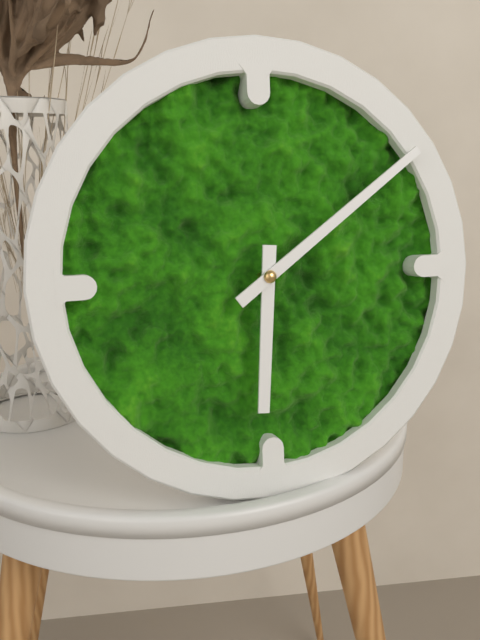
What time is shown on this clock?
6:09
